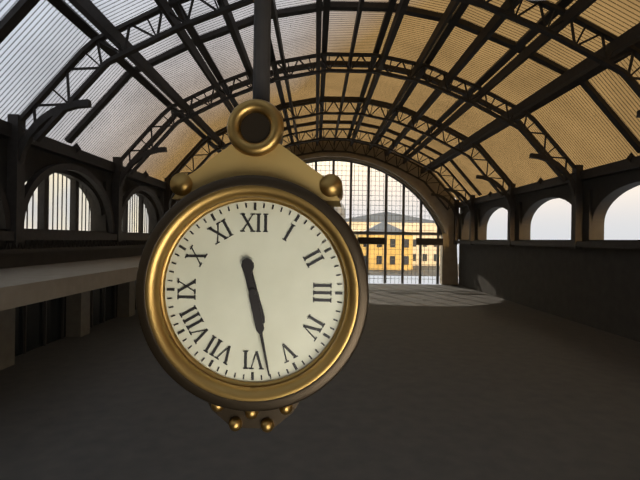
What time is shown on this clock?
5:28
